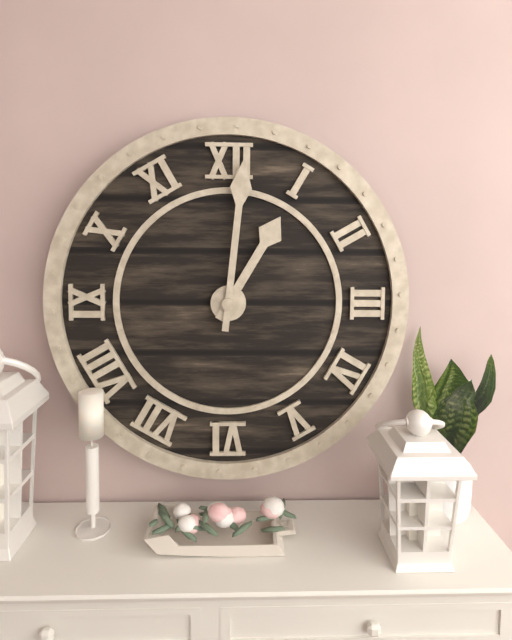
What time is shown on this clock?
1:01
